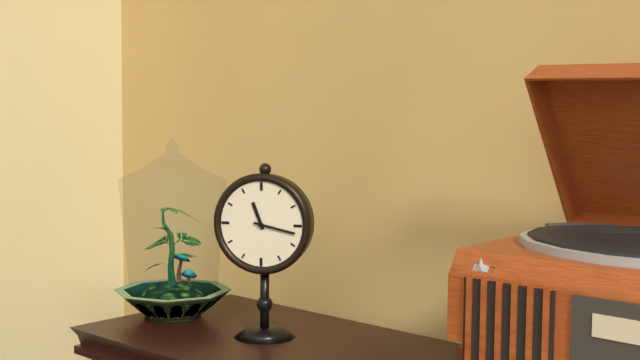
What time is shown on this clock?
11:17
